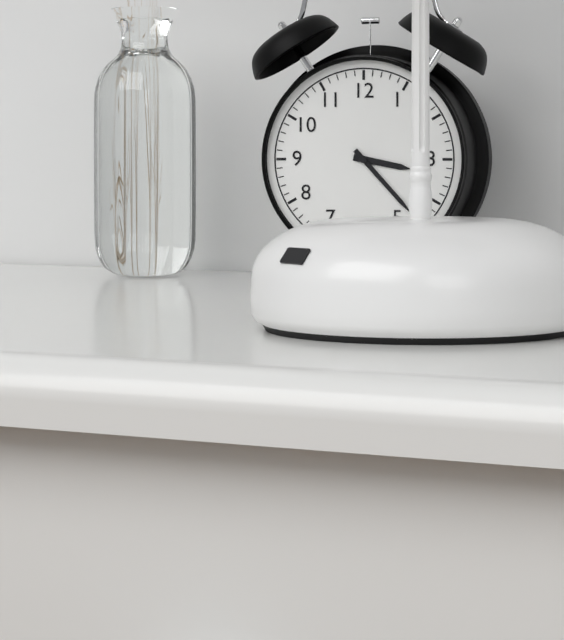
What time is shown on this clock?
3:23
